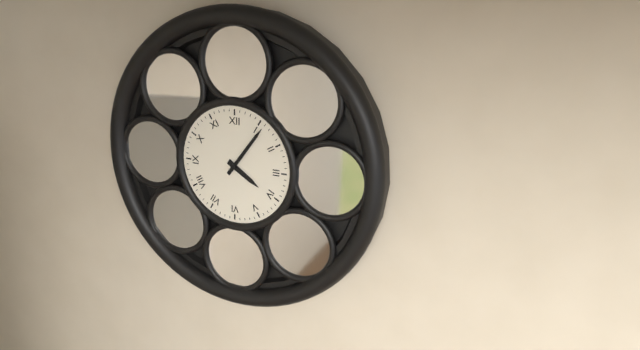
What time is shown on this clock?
4:06
